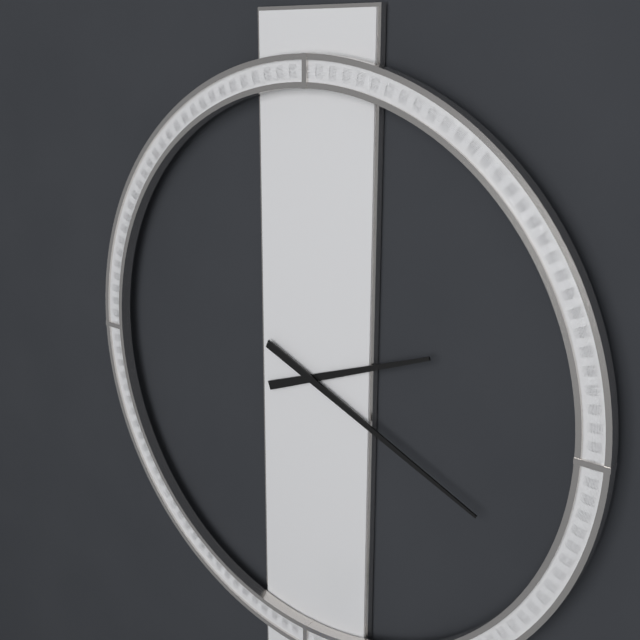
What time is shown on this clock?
2:19
